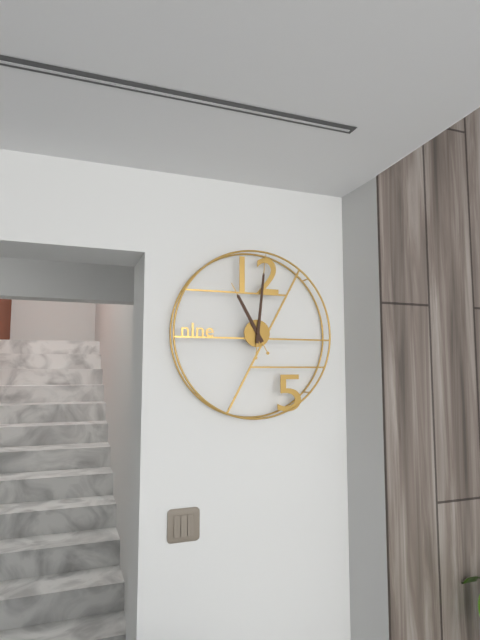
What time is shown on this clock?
11:01
